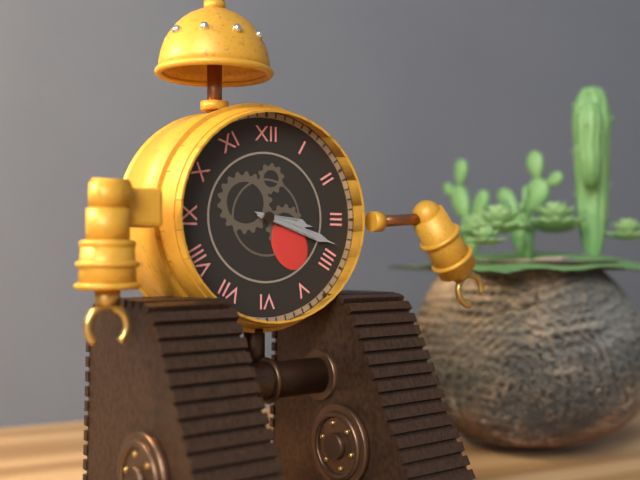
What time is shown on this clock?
3:18
